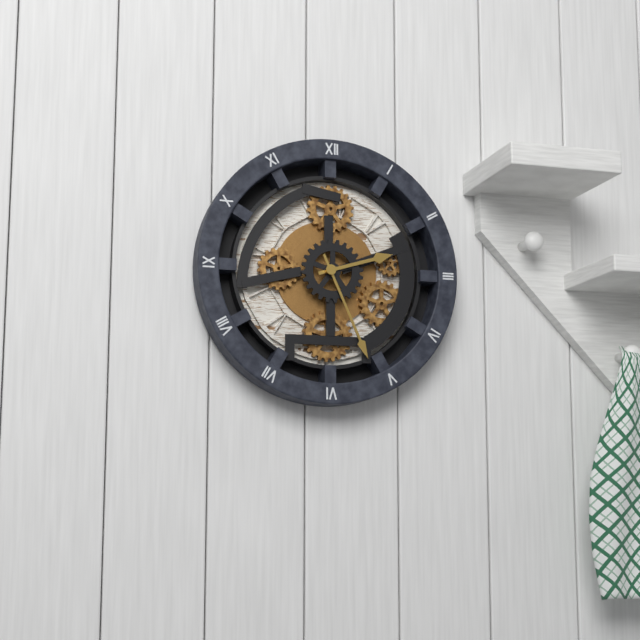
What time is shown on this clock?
2:26
